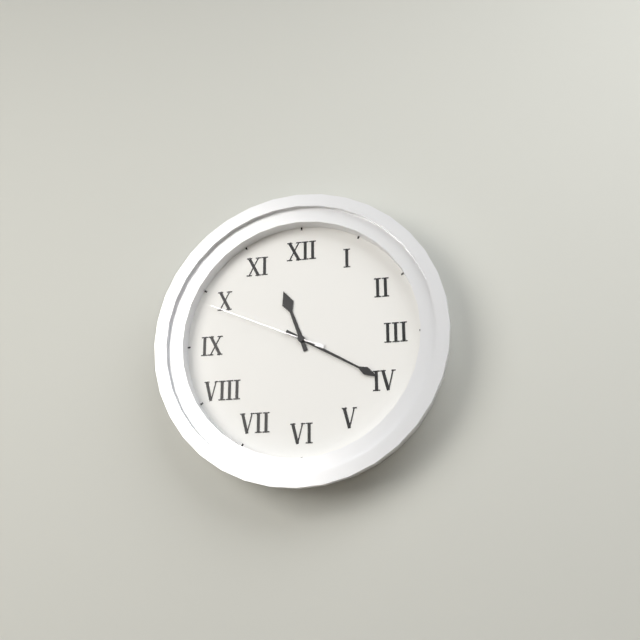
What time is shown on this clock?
11:20:49
